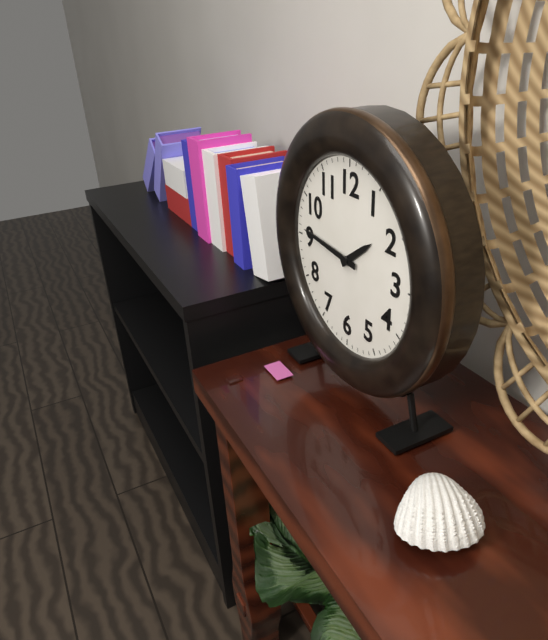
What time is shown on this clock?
1:46
